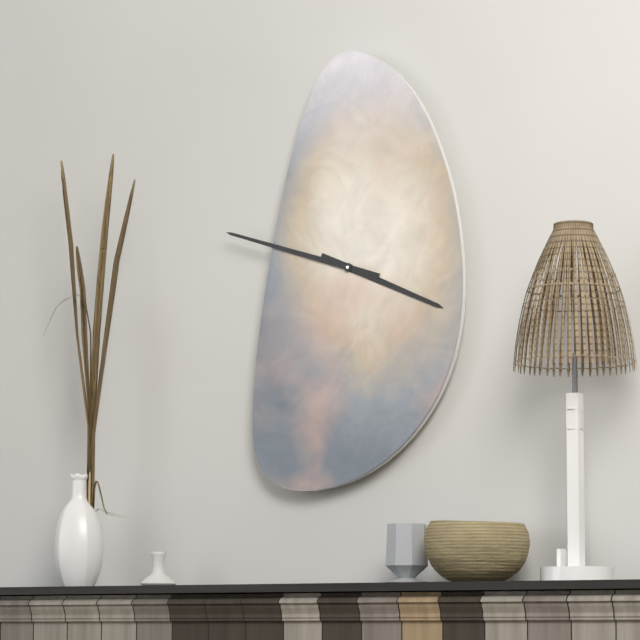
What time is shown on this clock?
3:48
